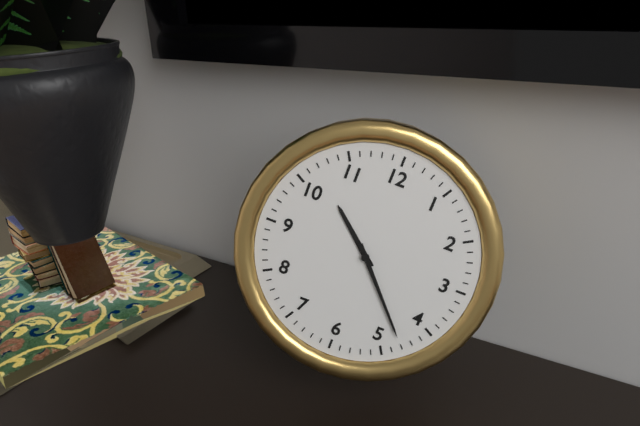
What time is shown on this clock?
10:23
